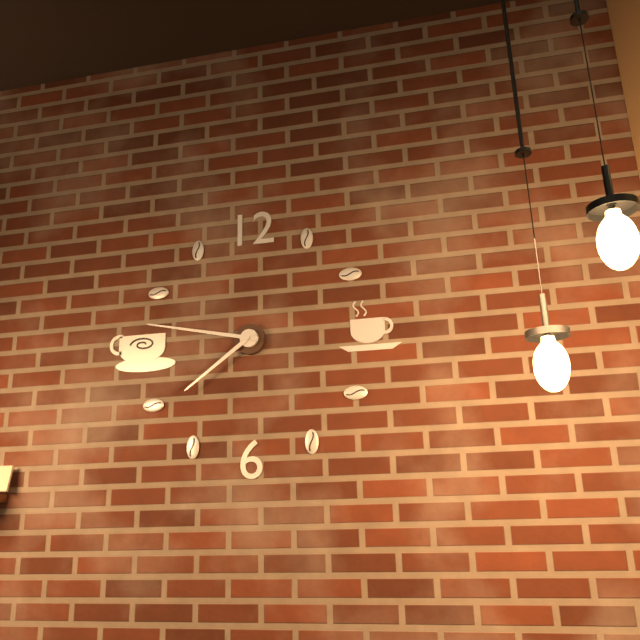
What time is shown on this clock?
7:47
